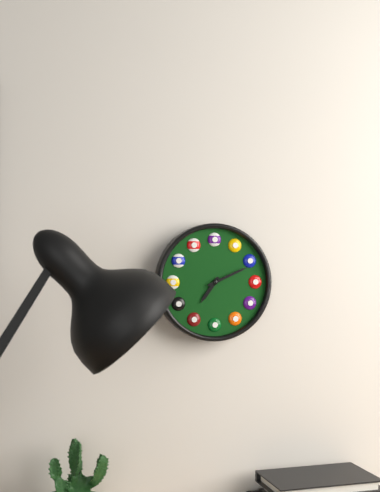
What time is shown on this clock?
7:11
